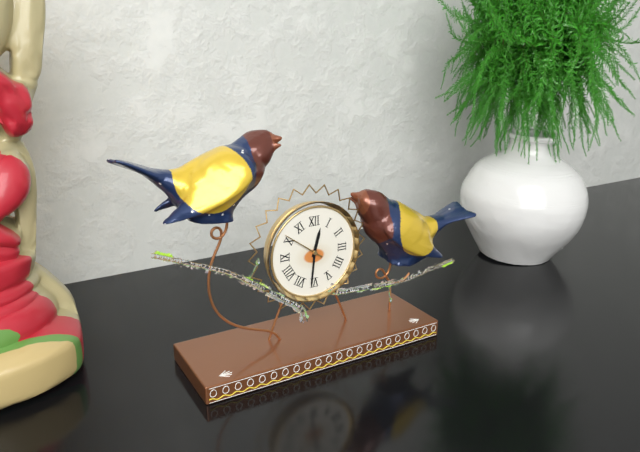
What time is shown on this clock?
12:31
